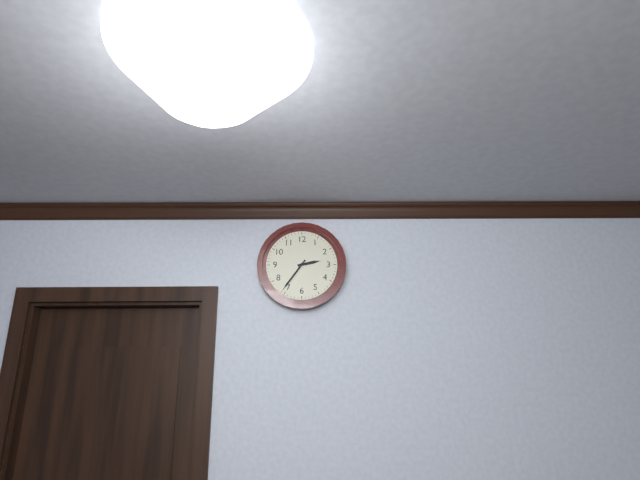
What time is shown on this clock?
2:36
